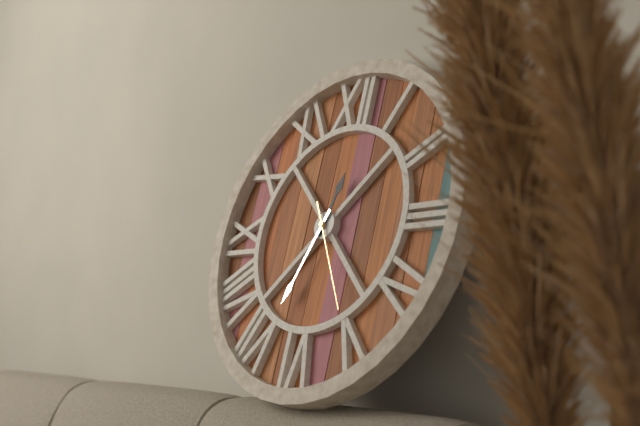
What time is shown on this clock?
12:34:25
